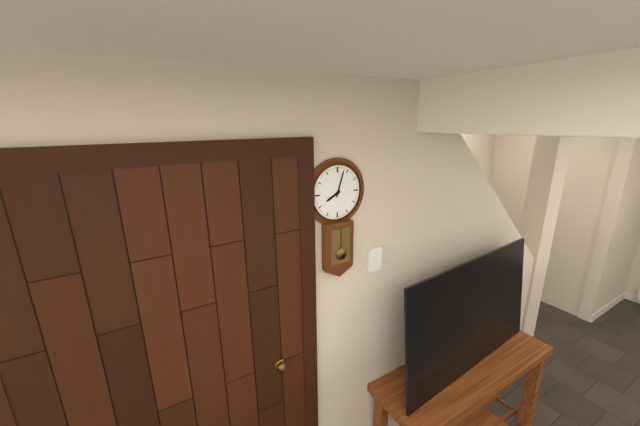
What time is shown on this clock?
8:03
